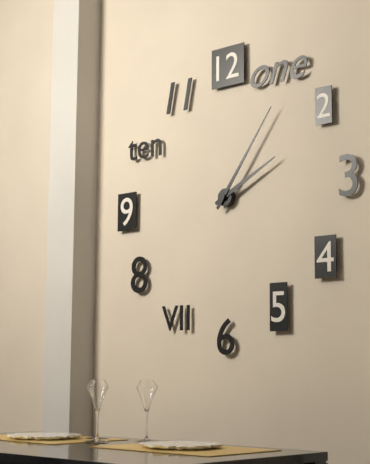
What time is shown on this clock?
2:06
